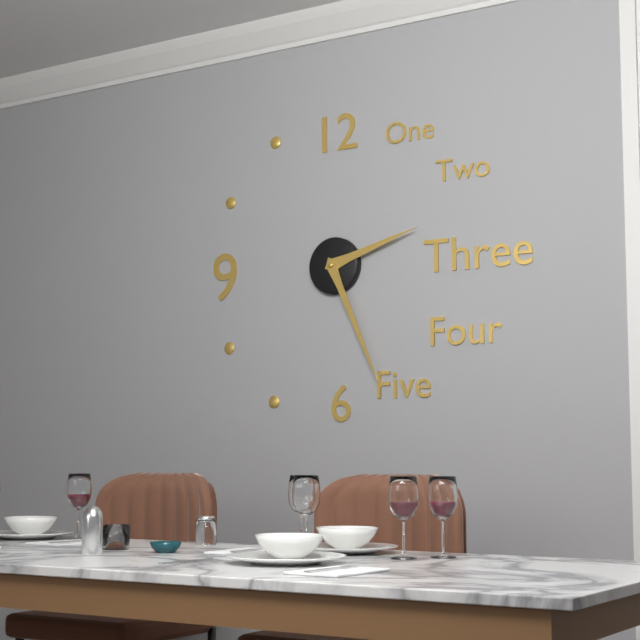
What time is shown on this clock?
2:26
